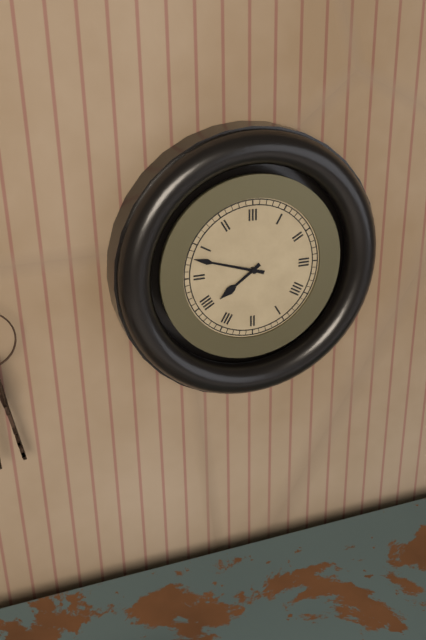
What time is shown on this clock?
7:48
